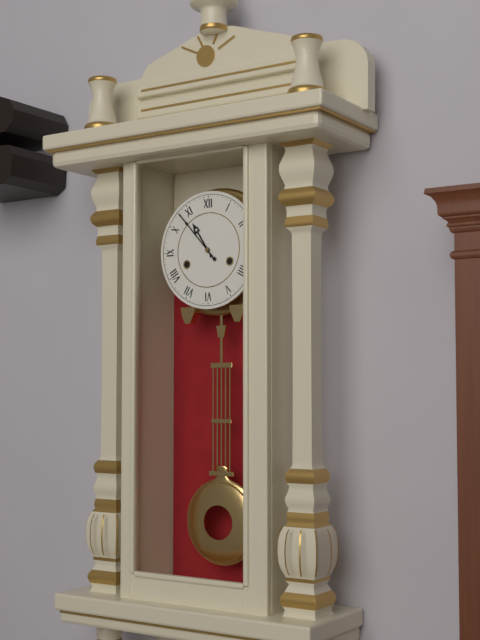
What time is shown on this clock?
10:53
